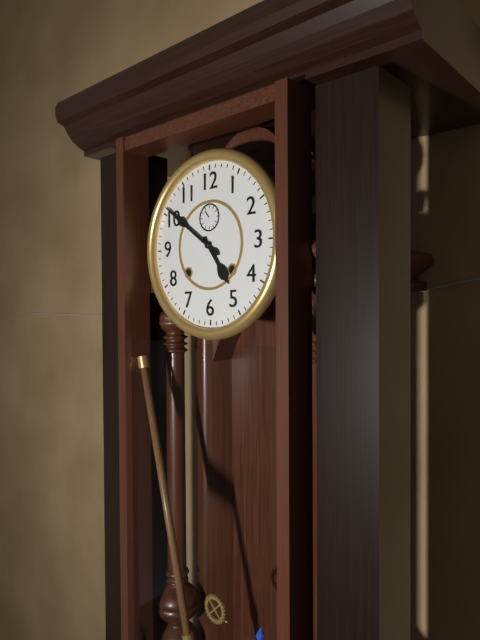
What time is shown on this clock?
4:51
